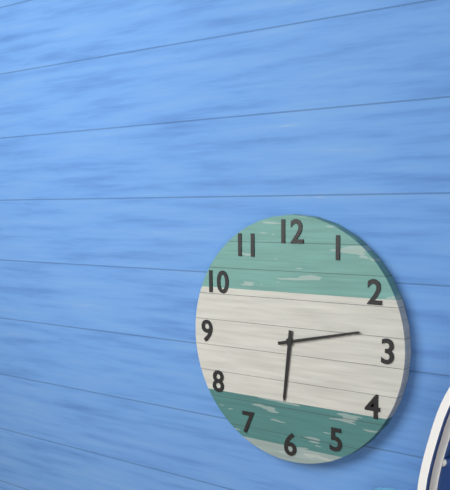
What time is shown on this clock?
6:13
